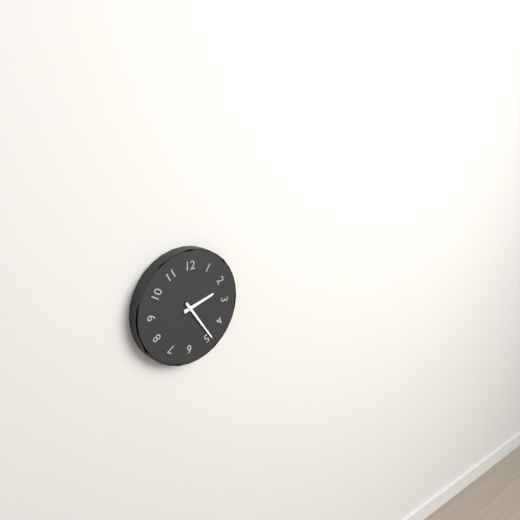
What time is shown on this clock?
2:24
